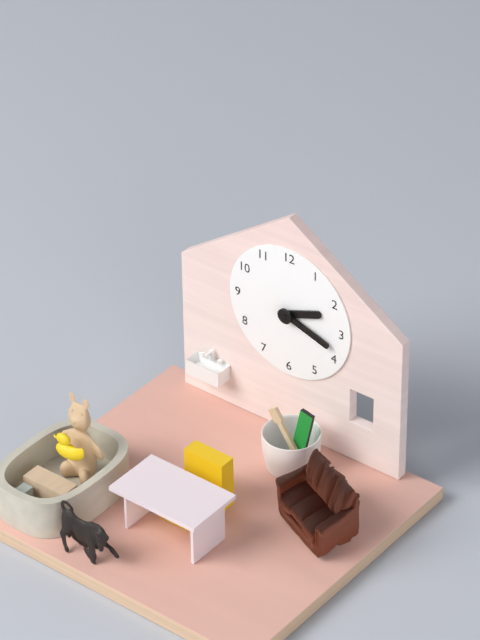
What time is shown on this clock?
2:18
